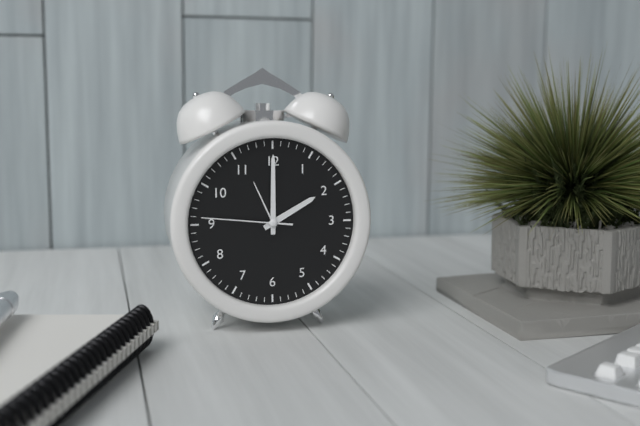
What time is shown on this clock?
2:00:46
